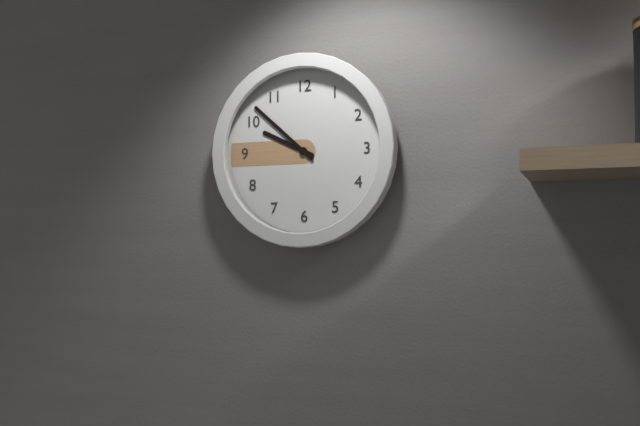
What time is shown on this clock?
9:52
